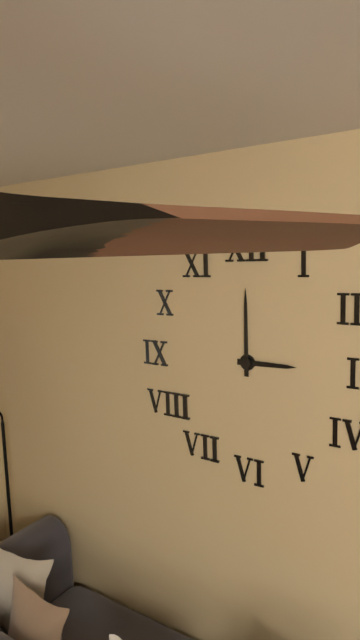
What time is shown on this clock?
3:00
